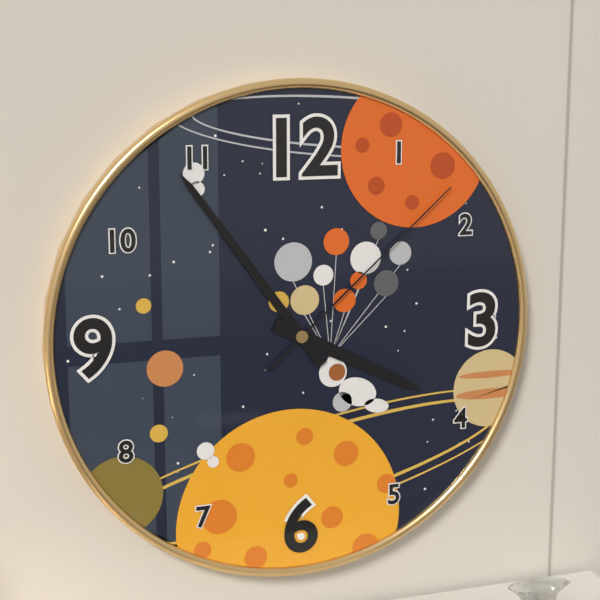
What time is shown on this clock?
3:54:08
